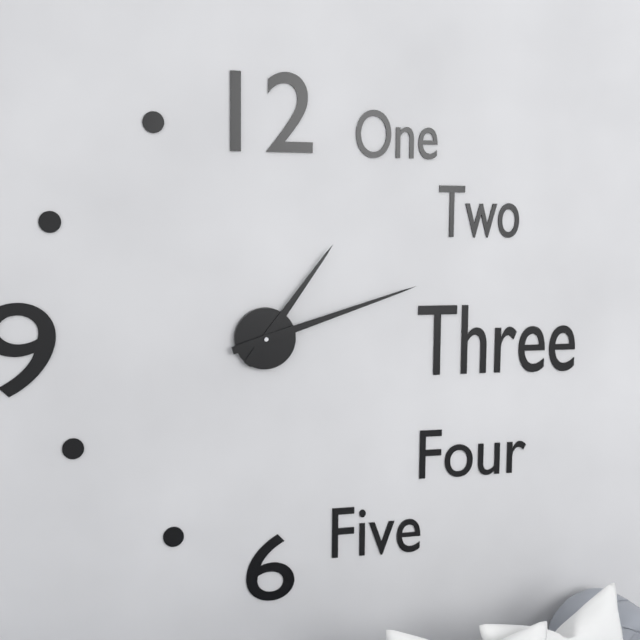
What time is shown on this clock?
1:12
